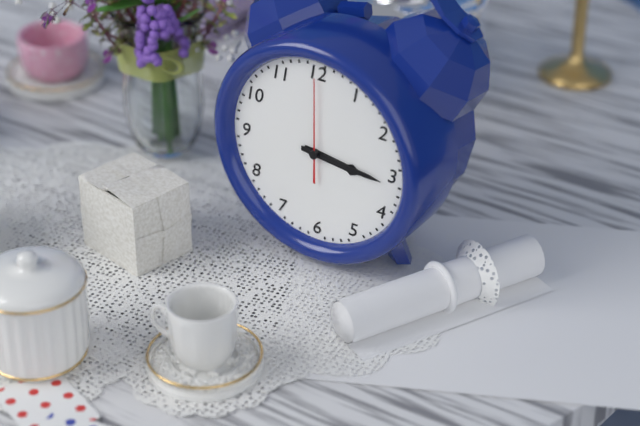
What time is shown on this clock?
3:16:00
